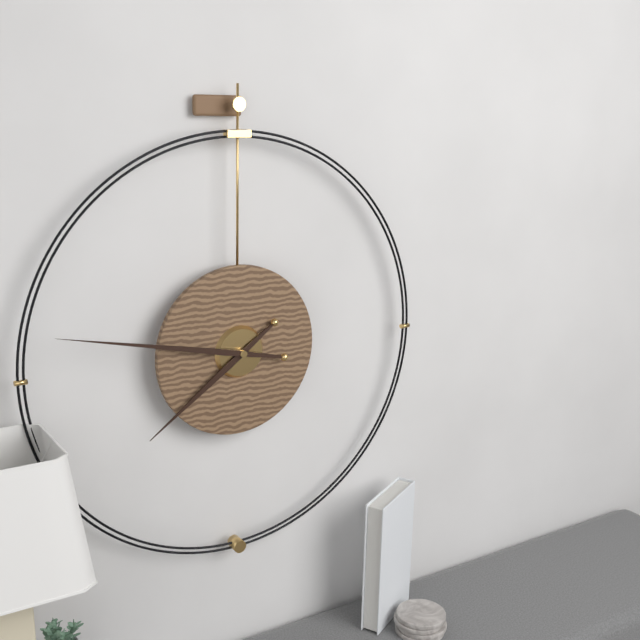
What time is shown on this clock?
7:47
